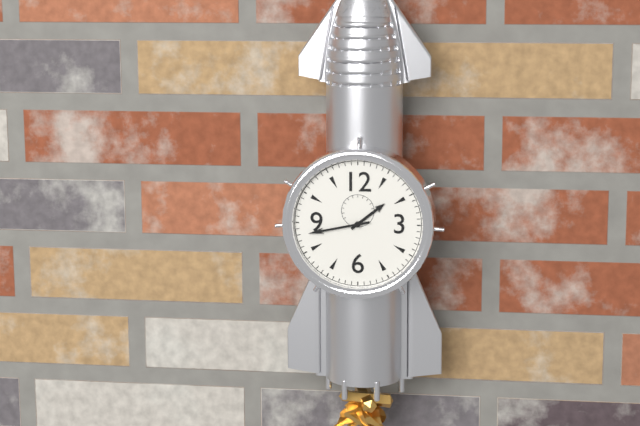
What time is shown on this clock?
1:43
